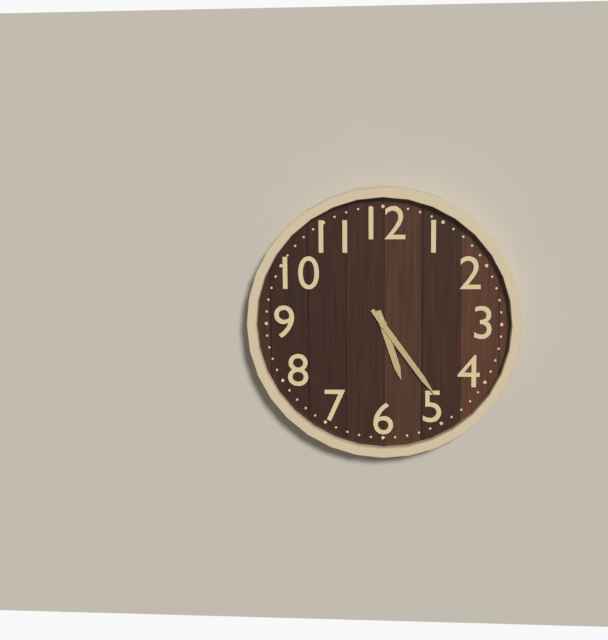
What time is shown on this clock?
5:24
